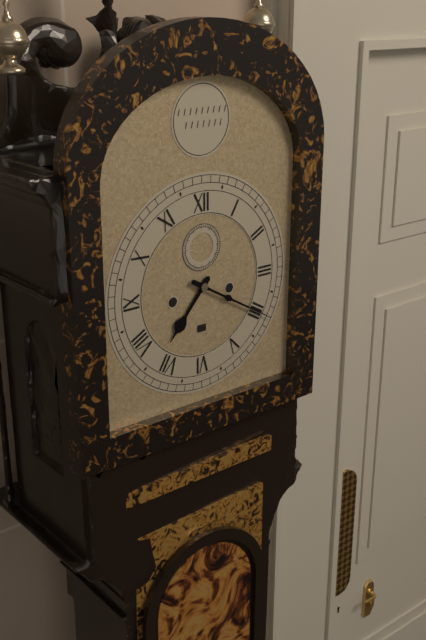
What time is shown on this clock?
7:20
